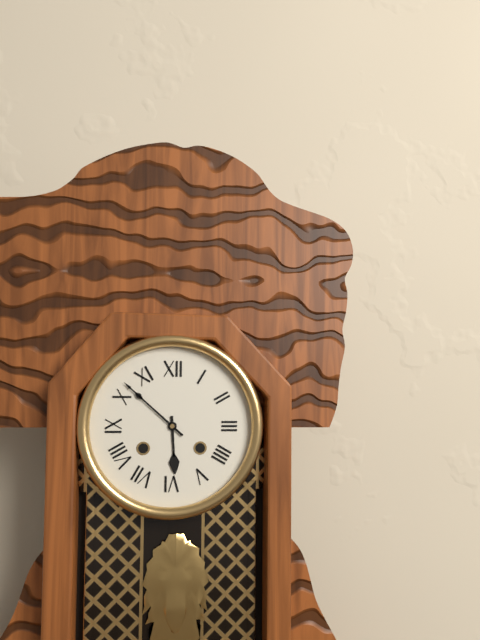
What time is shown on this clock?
5:52
